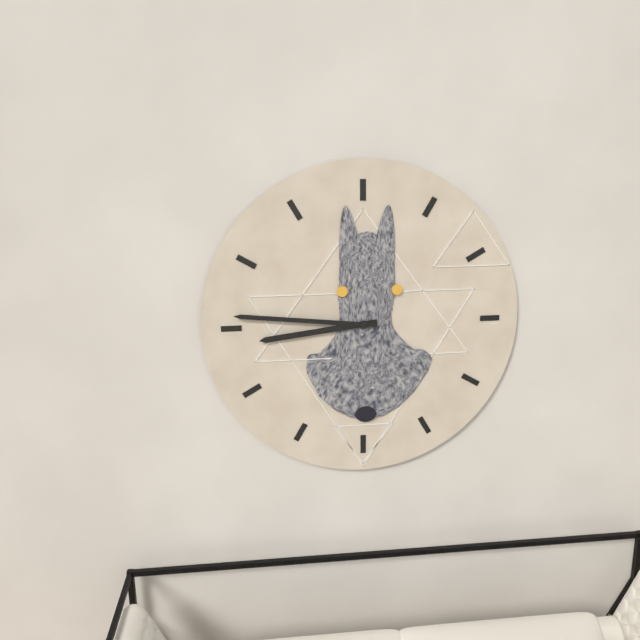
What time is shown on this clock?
8:46
